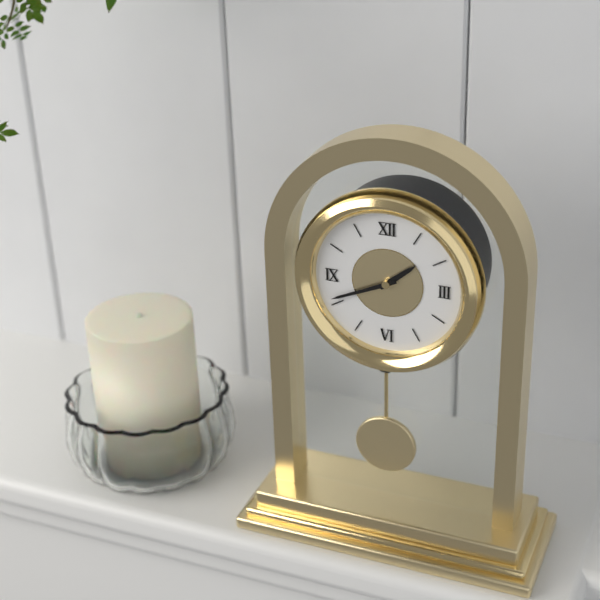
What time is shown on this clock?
1:41
